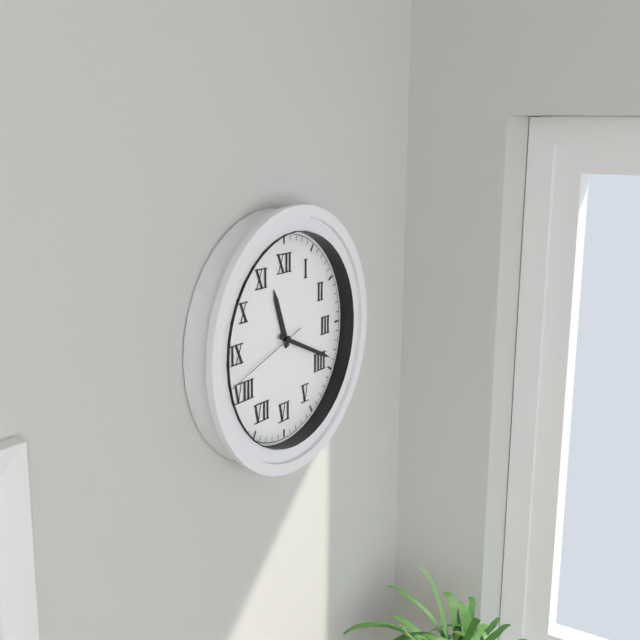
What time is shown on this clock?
11:19:42
